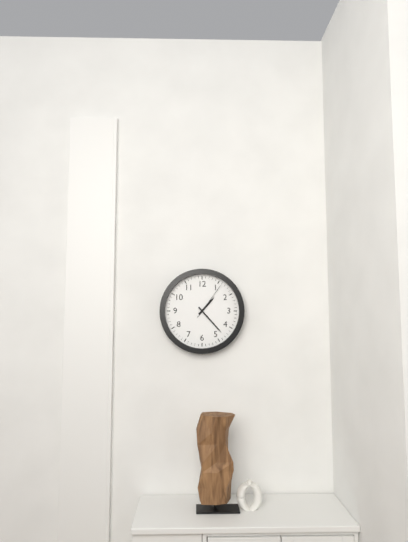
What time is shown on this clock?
1:23
